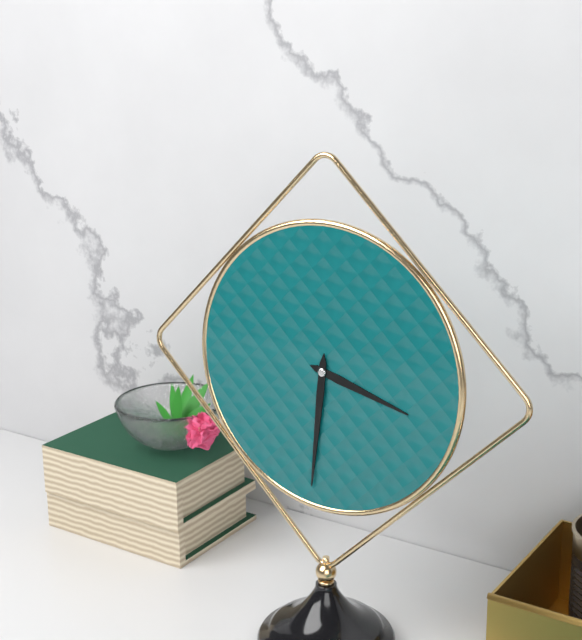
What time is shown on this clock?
3:31
